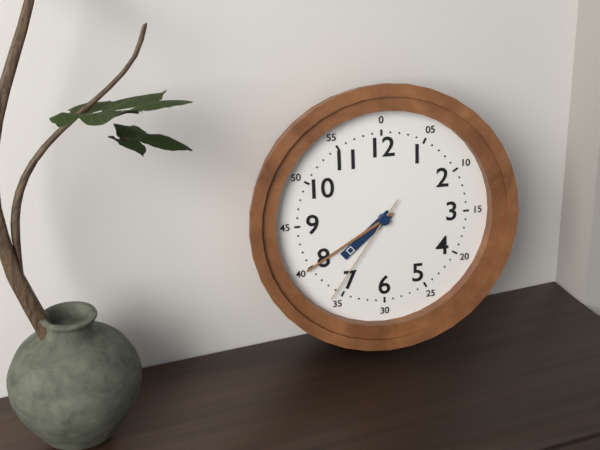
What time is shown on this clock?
7:40:36
